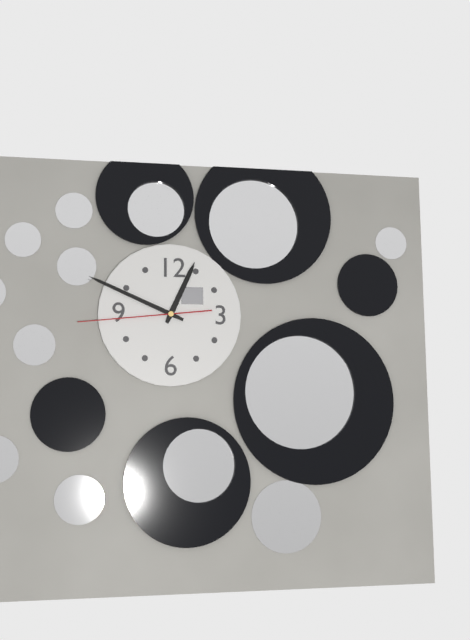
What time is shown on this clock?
12:49:44
